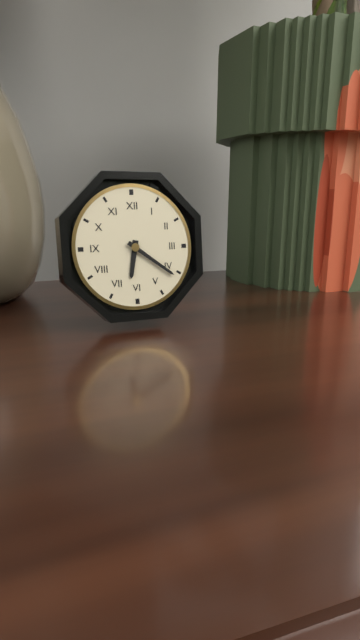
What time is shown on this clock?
6:21
